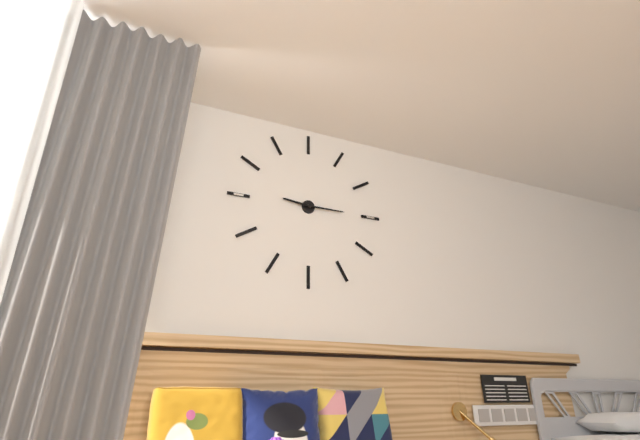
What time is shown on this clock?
9:15
